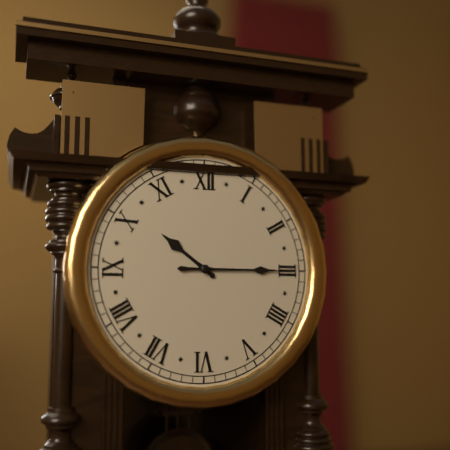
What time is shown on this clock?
10:15
